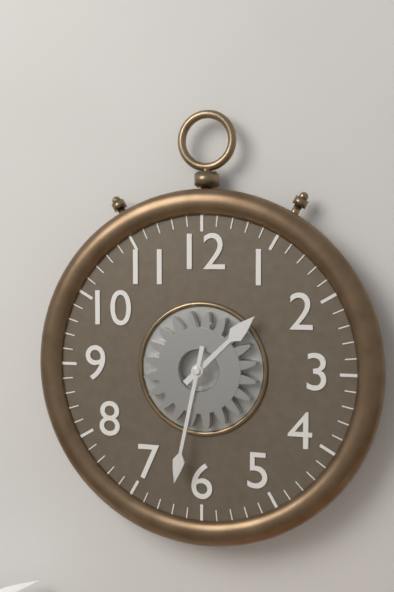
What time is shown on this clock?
1:32
